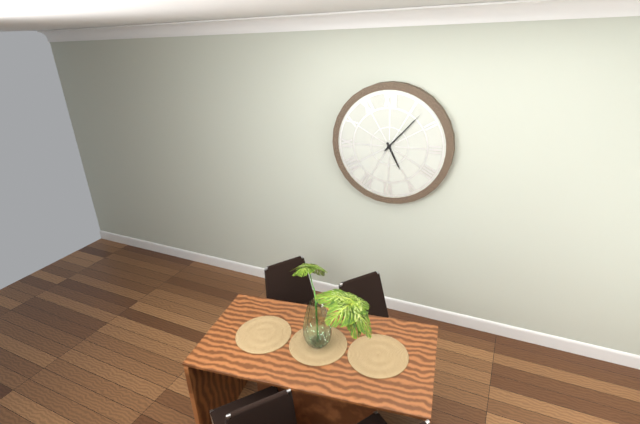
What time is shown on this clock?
5:07
